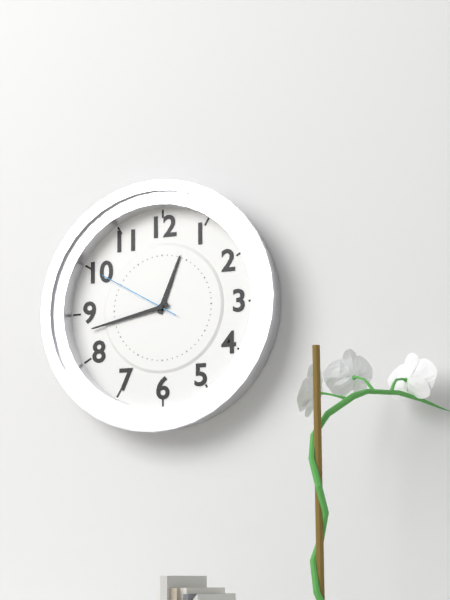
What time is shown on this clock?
12:43:50
